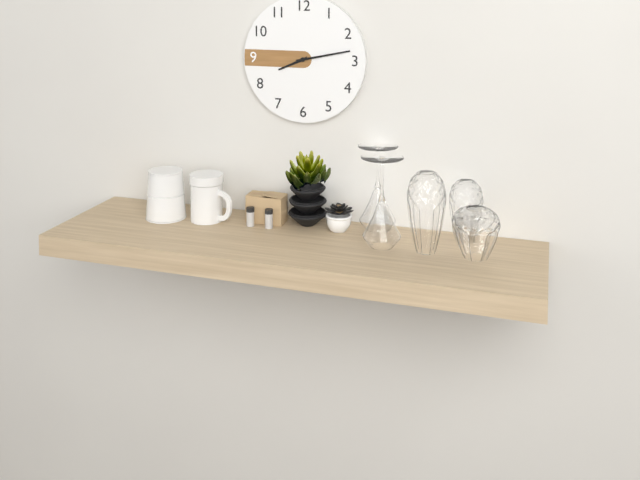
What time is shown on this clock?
8:13
